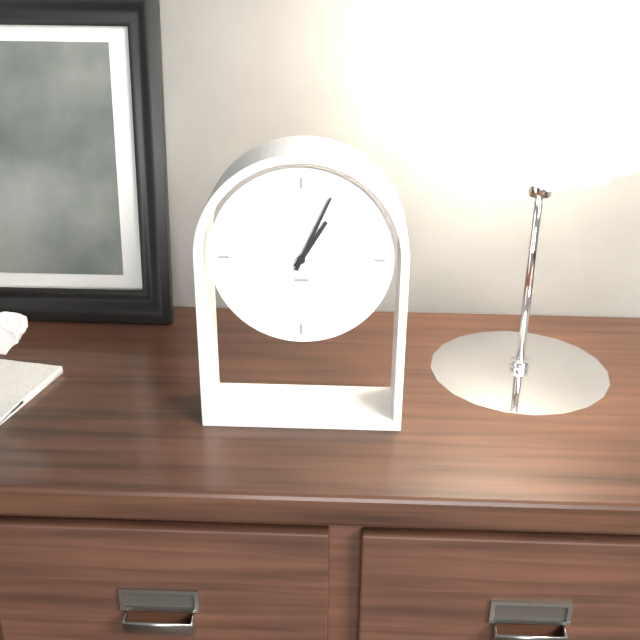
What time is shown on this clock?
1:04
